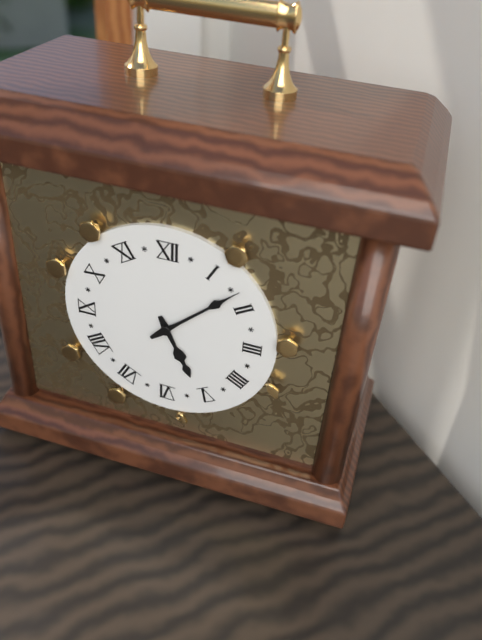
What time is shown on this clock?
5:08
